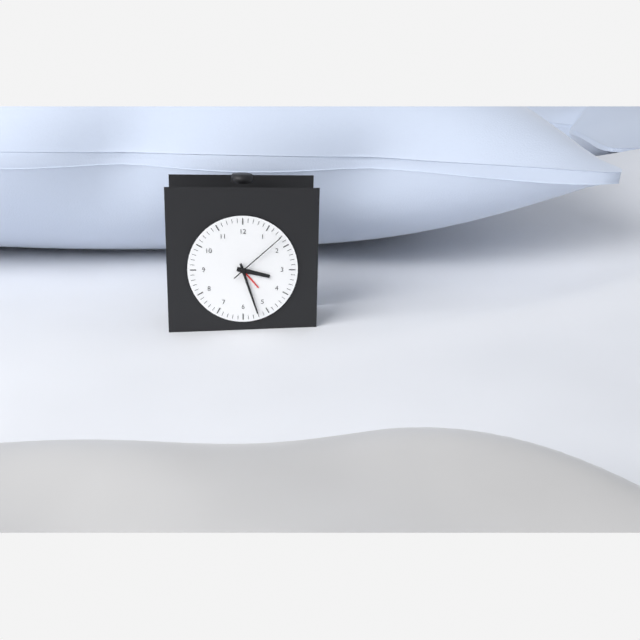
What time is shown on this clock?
3:27:08
